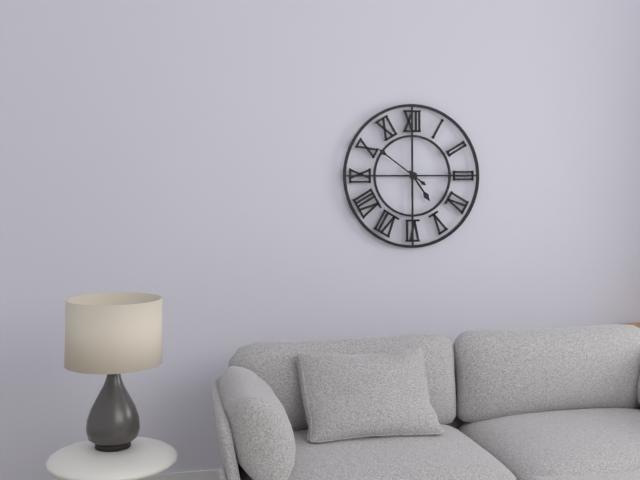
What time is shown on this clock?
4:51
